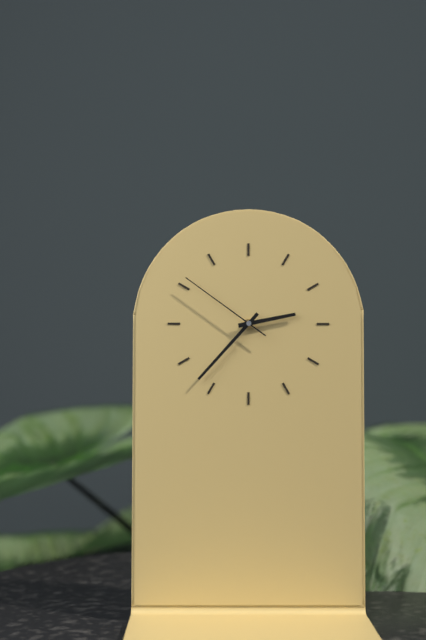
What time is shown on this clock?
2:37:51
